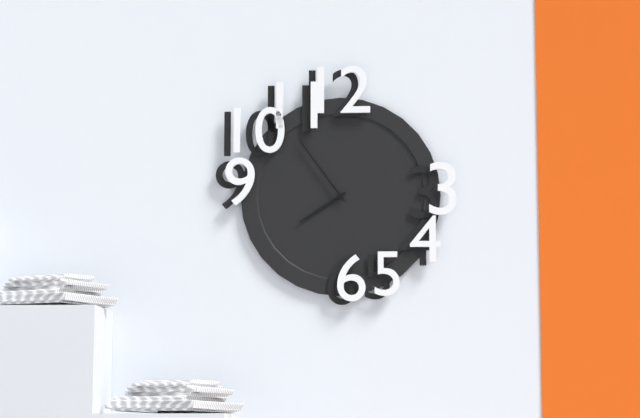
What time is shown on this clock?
7:54
